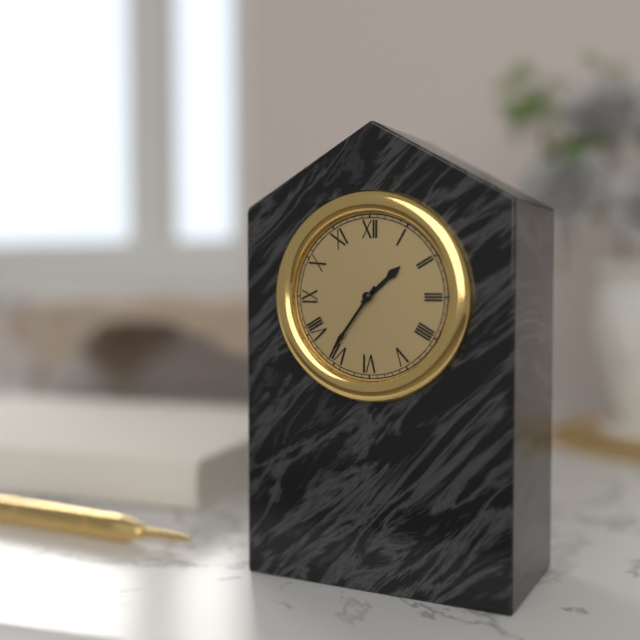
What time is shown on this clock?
1:36
